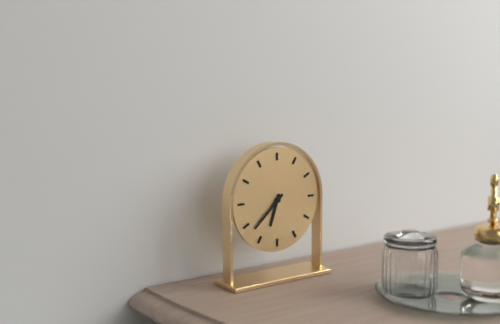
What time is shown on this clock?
6:38
